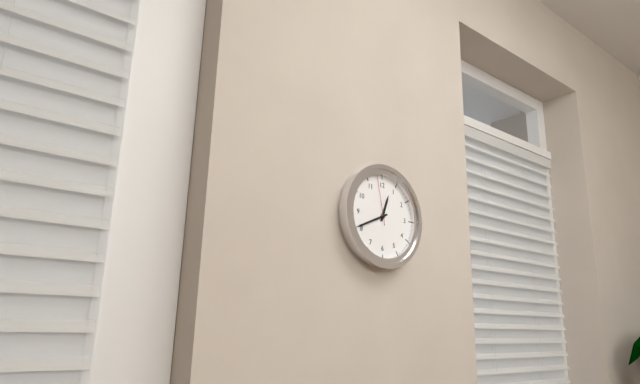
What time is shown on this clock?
12:41:58
